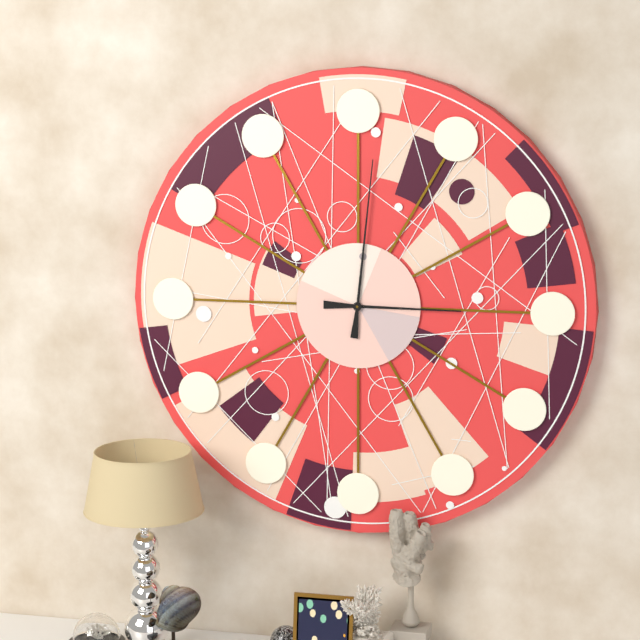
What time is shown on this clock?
3:01
